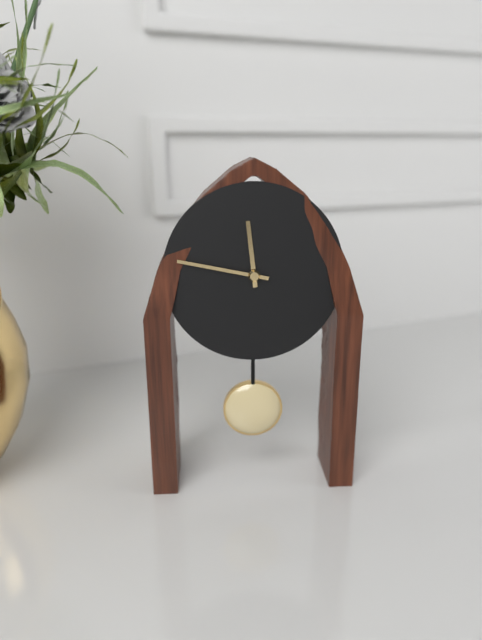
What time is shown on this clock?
11:47
